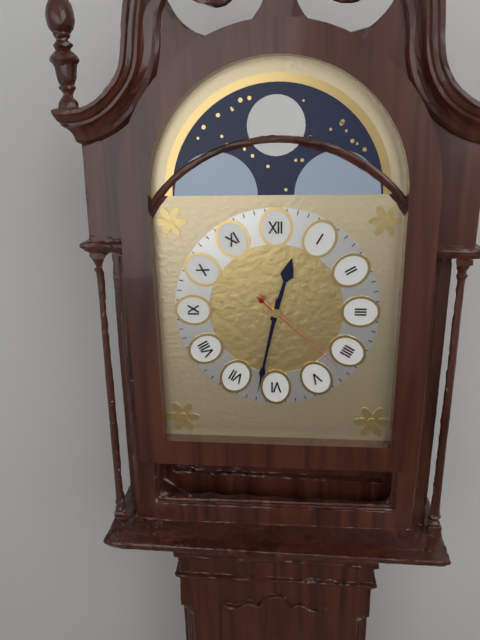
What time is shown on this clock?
12:32:22
